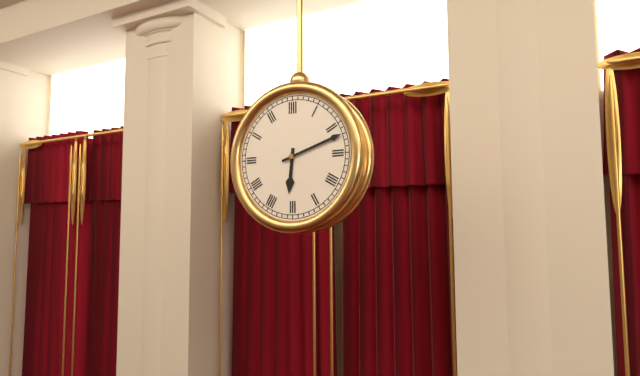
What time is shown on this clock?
6:12
